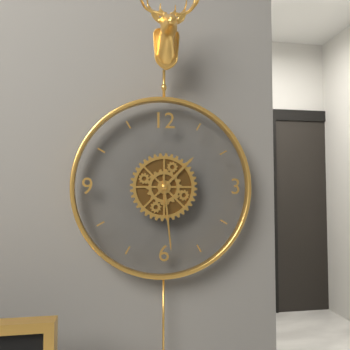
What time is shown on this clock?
1:29
